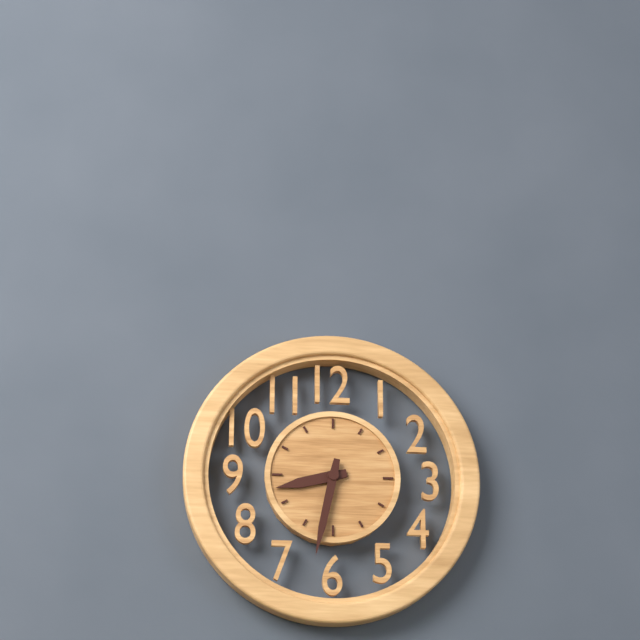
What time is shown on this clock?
8:32
